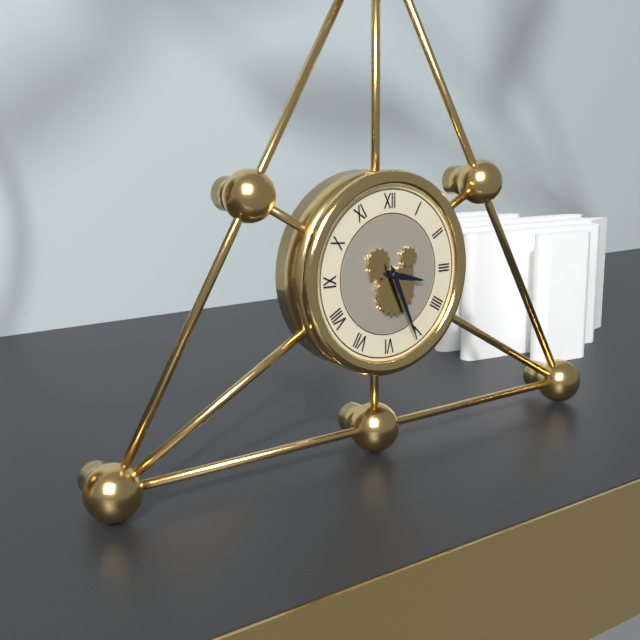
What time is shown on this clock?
3:26
